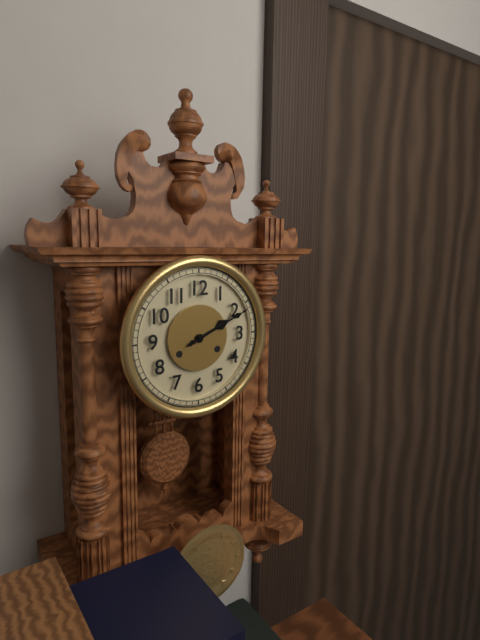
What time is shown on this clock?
2:11
